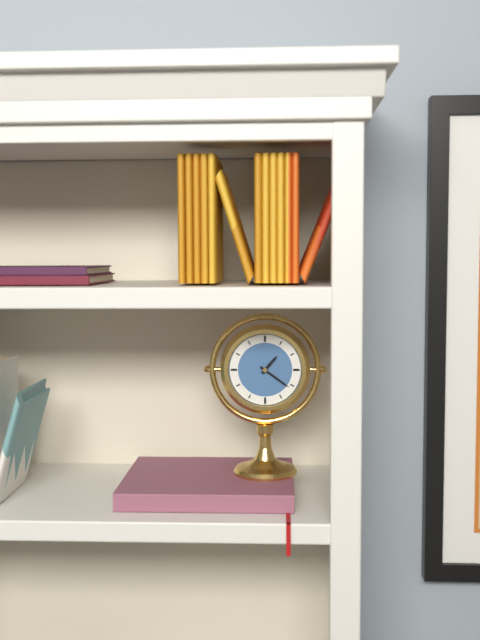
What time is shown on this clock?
1:21
